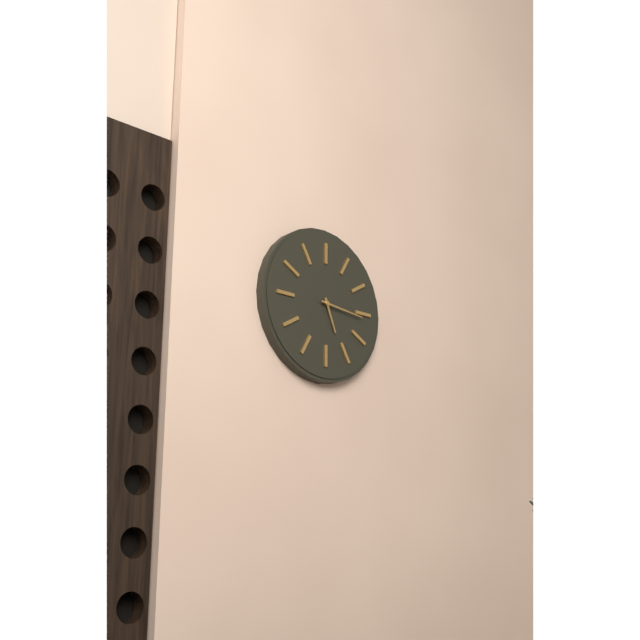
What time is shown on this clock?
5:16
